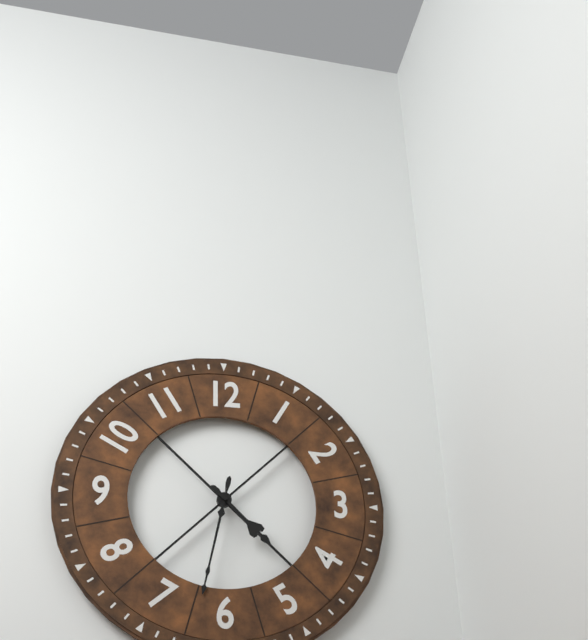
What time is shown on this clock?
4:32
